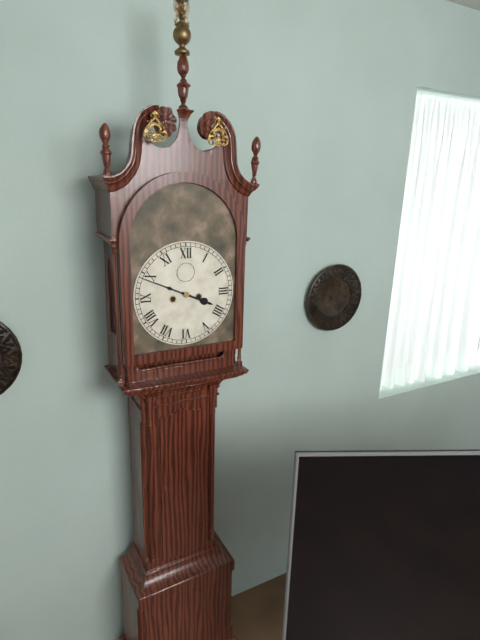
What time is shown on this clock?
3:49
